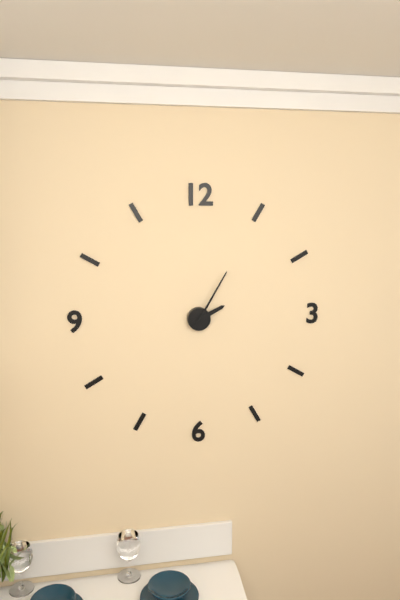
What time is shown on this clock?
2:05
